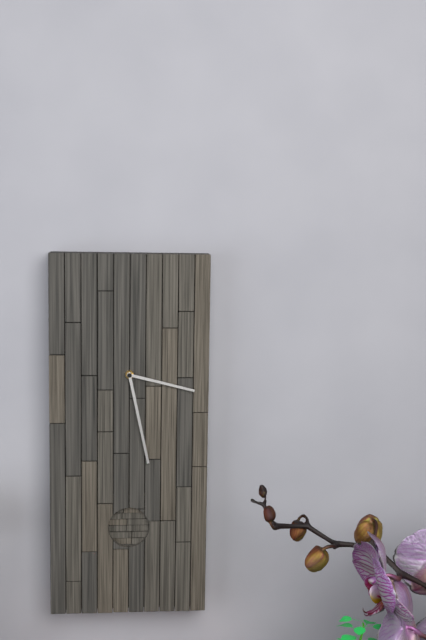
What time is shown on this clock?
3:28
